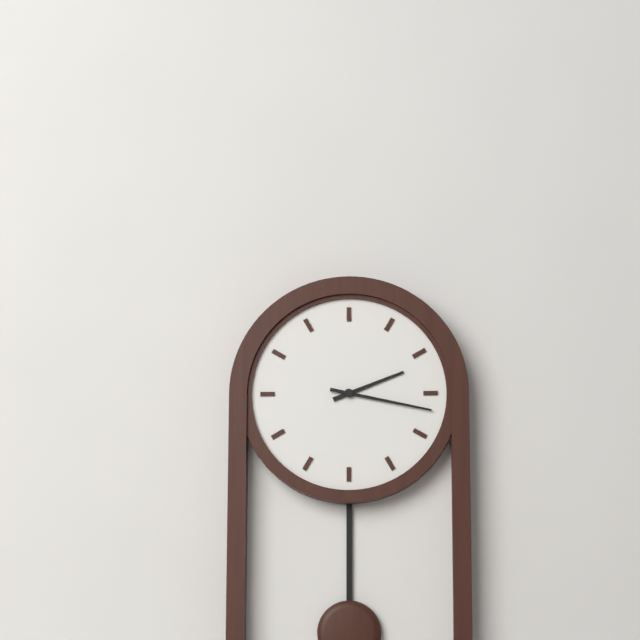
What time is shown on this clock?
2:17
